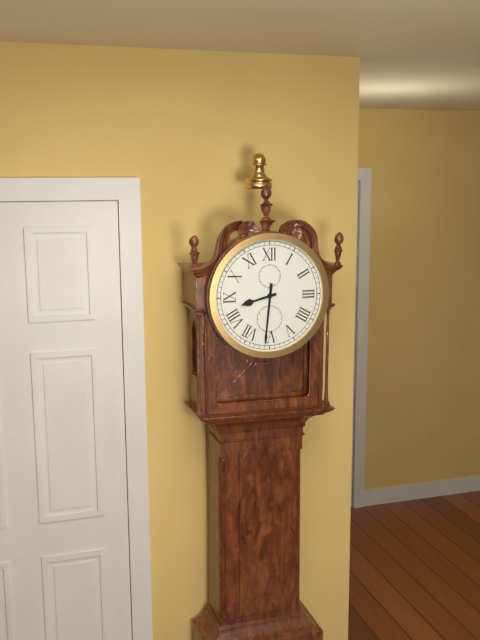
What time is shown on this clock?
8:31
